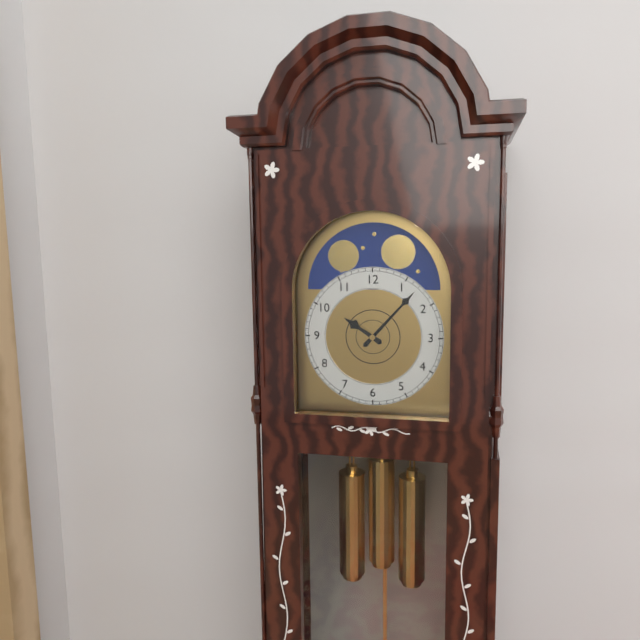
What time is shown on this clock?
10:07
